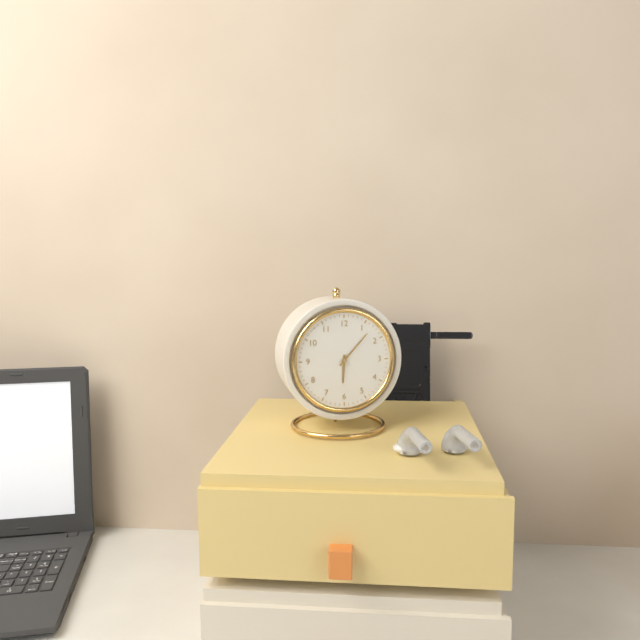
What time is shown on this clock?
6:07
